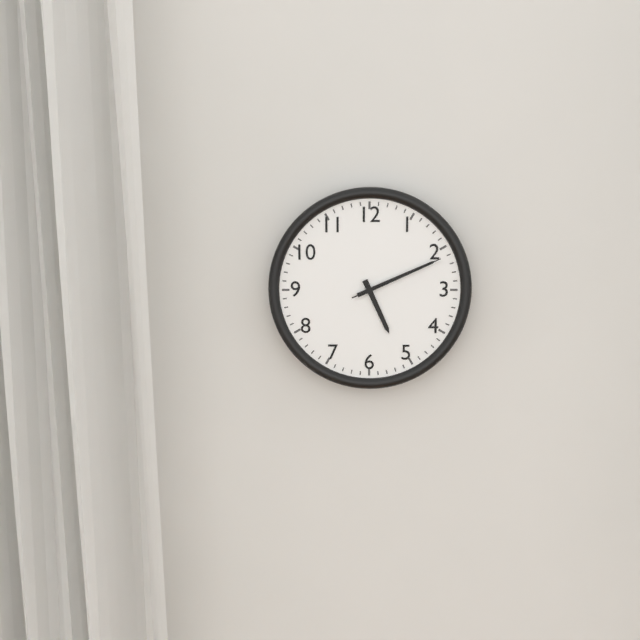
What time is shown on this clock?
5:11:11
